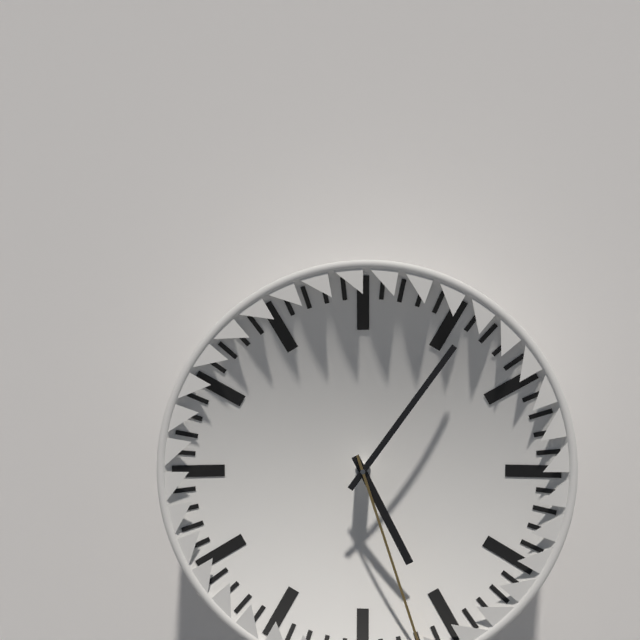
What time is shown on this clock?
5:06
